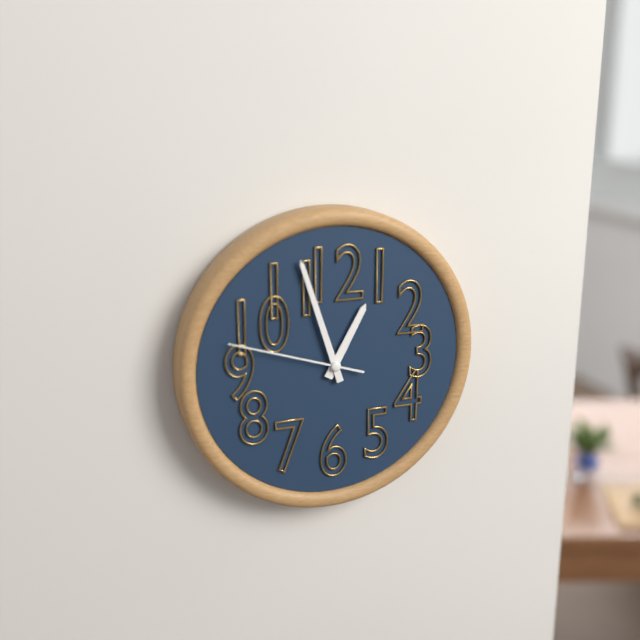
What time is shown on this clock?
12:57:48
